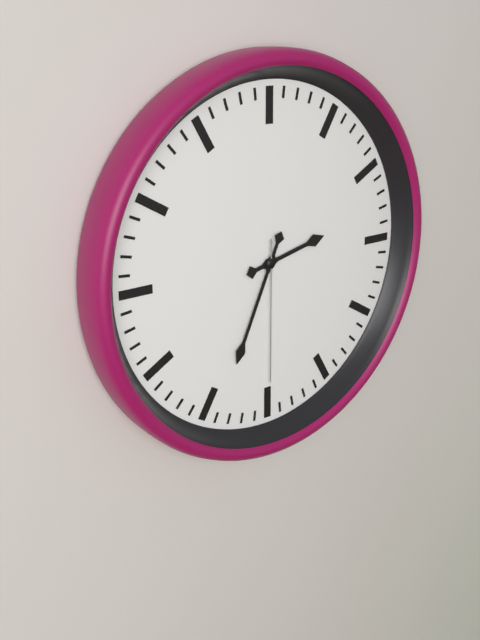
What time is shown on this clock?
2:34:30
